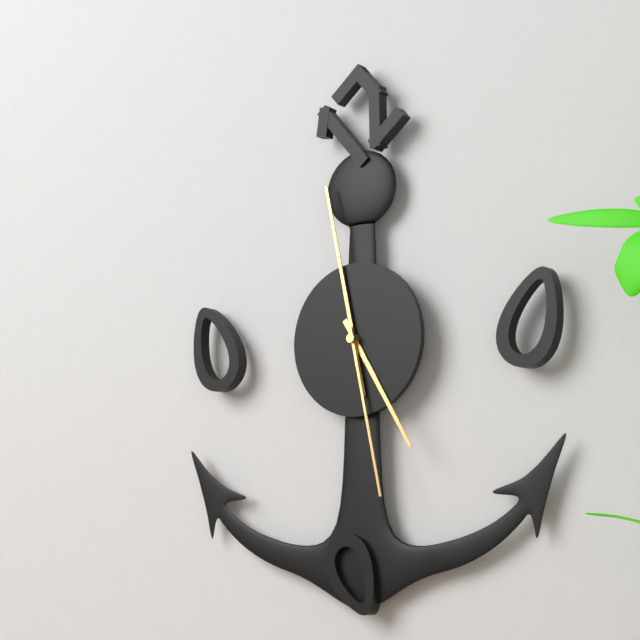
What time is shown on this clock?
4:58:28
